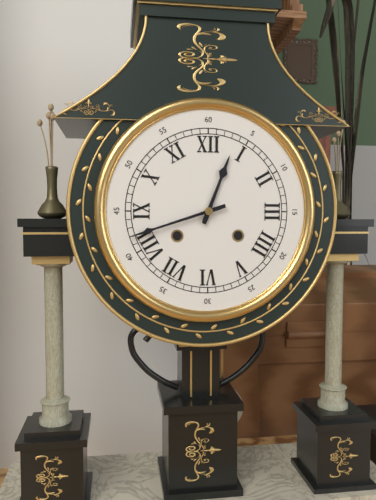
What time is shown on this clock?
12:42
